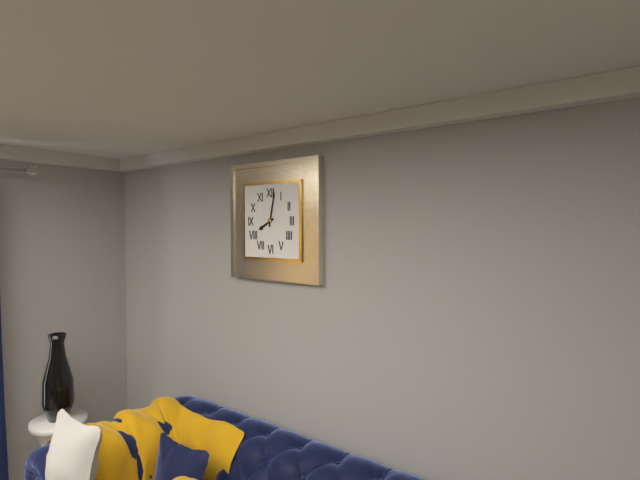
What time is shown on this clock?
8:02
